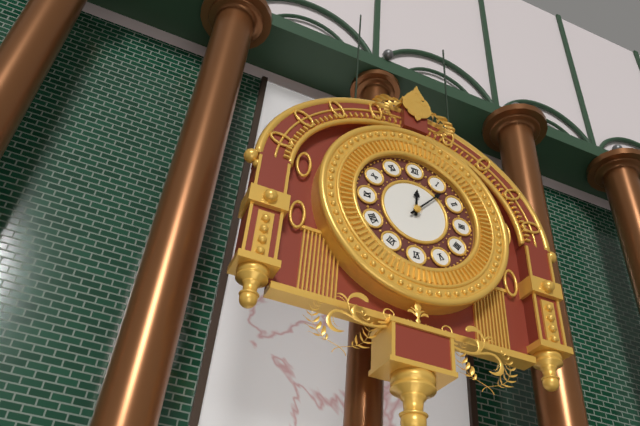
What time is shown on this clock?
12:07
